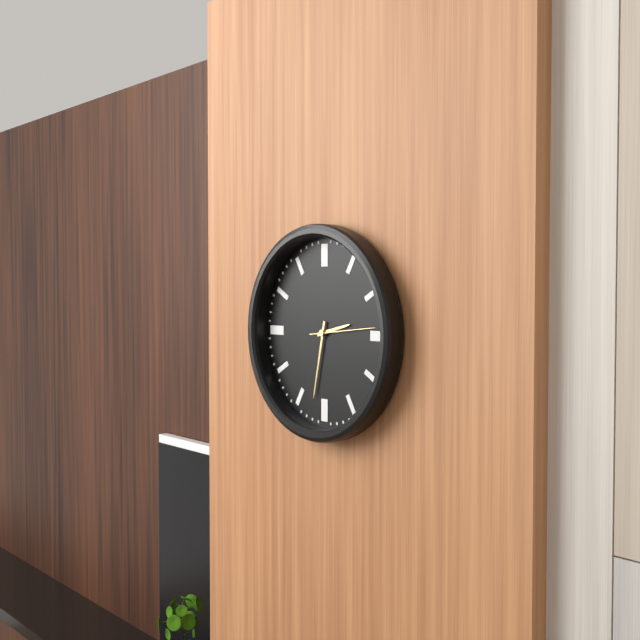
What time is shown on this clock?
2:32:14
